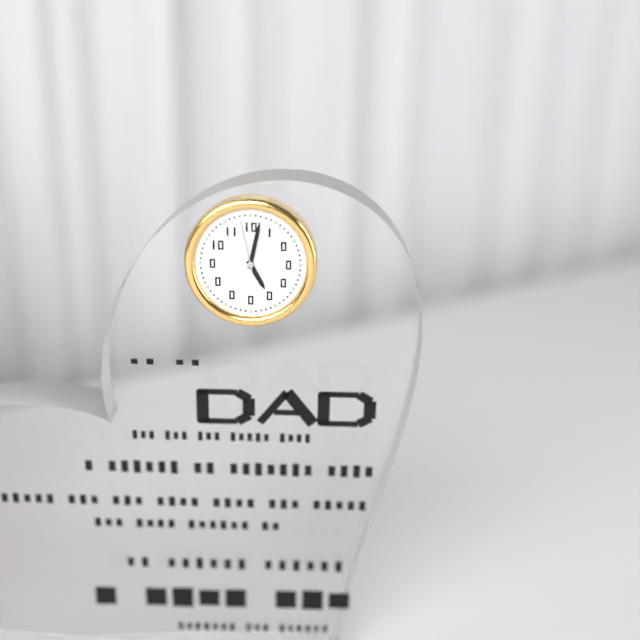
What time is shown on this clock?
5:02:58
